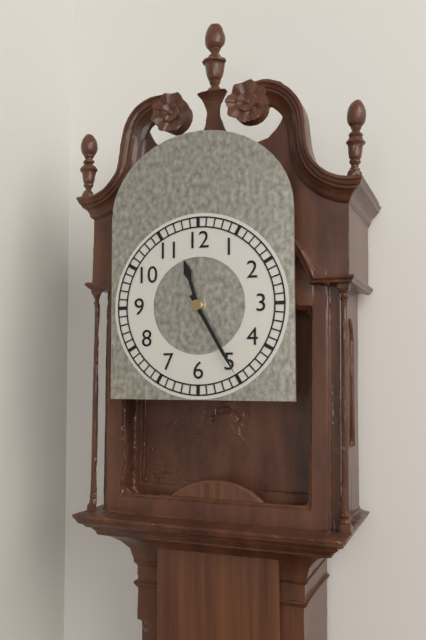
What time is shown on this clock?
11:25
